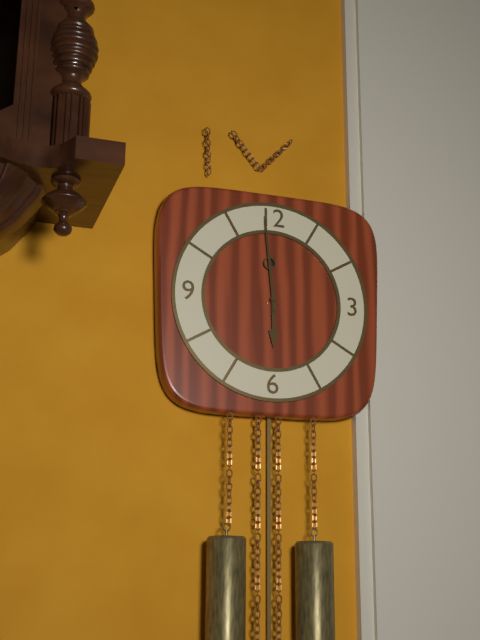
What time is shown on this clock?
5:59
